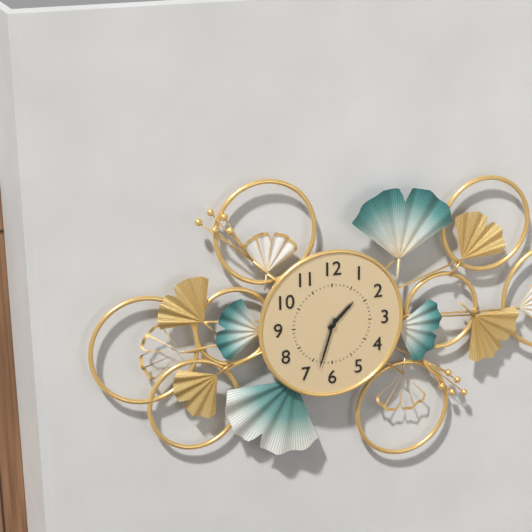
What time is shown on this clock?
1:33
